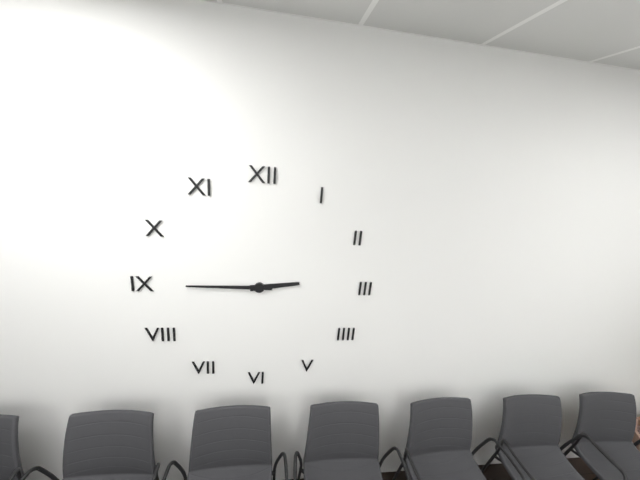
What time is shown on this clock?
2:45
